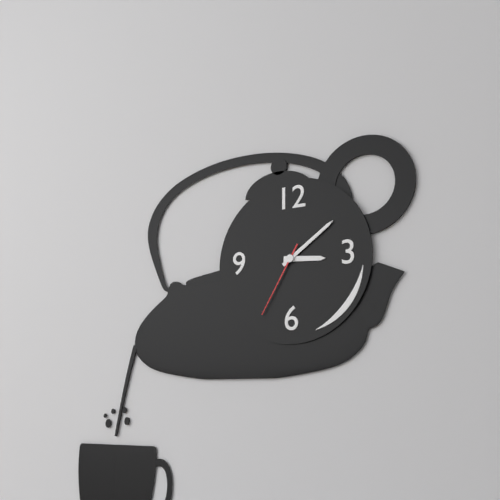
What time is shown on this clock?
3:09:35
